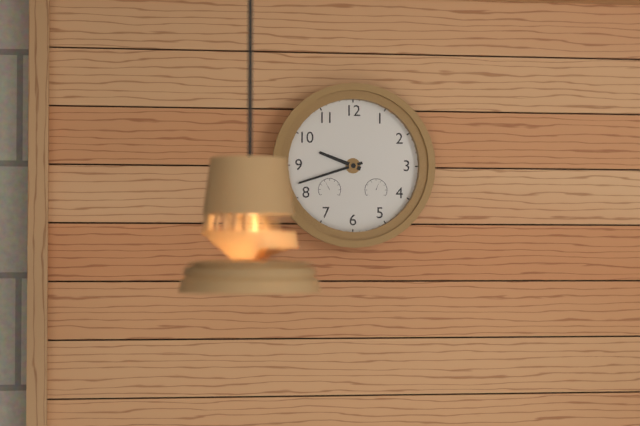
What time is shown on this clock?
9:42
